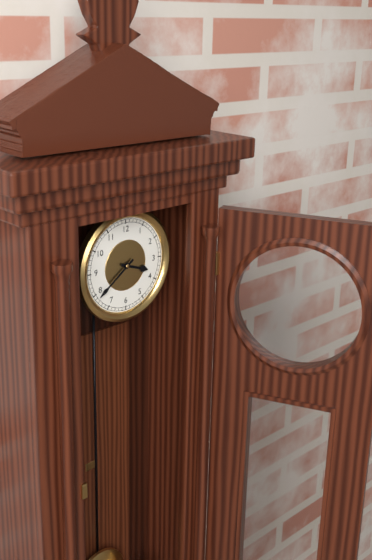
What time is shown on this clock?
3:39
